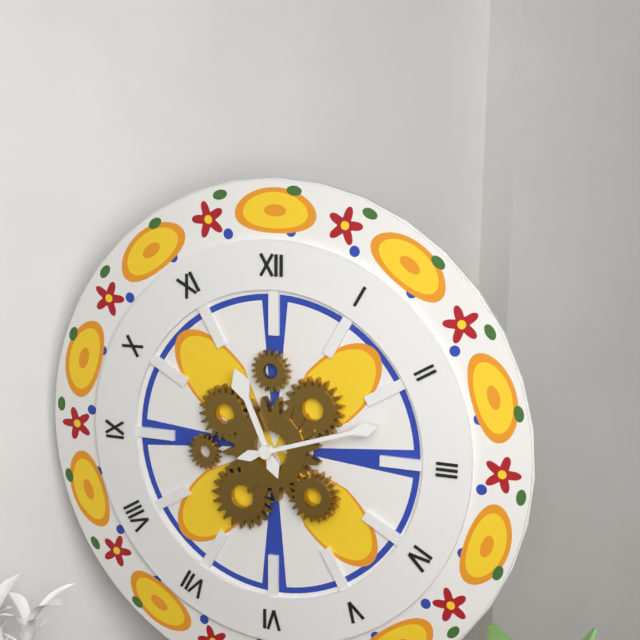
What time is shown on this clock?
11:12
